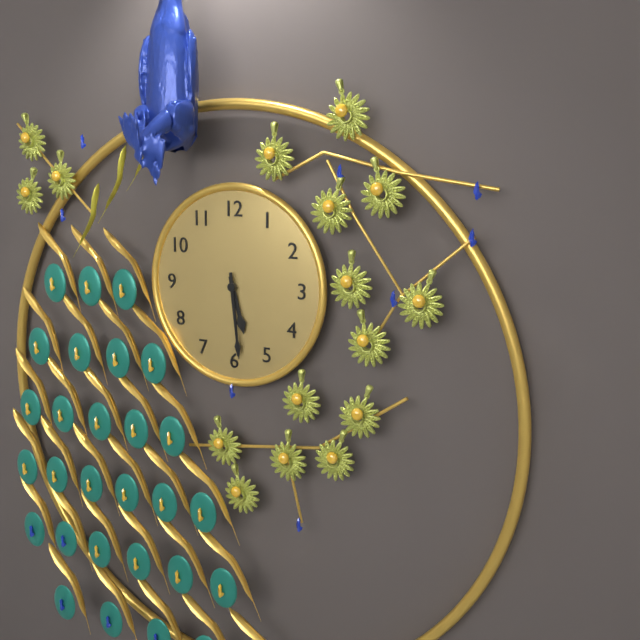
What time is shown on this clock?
5:29
